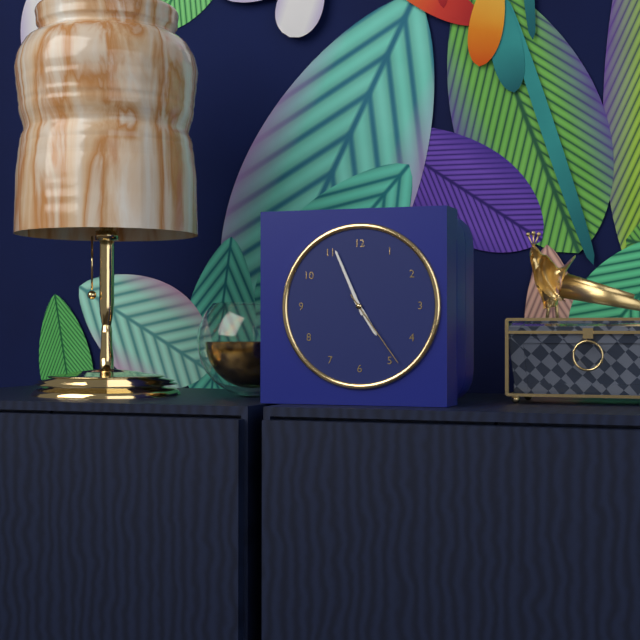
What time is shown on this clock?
4:56:24
